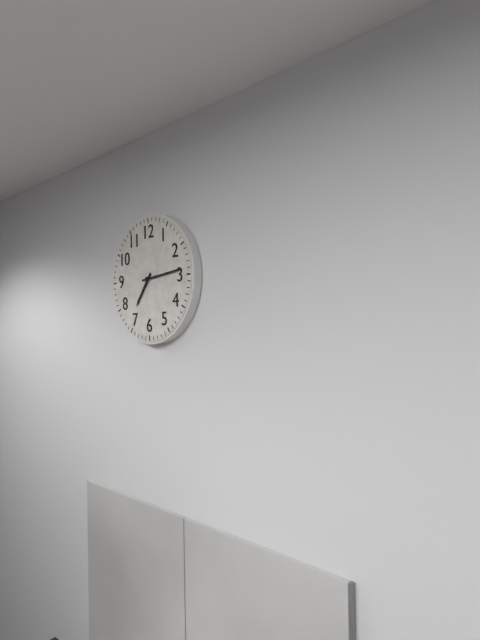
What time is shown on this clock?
7:14
